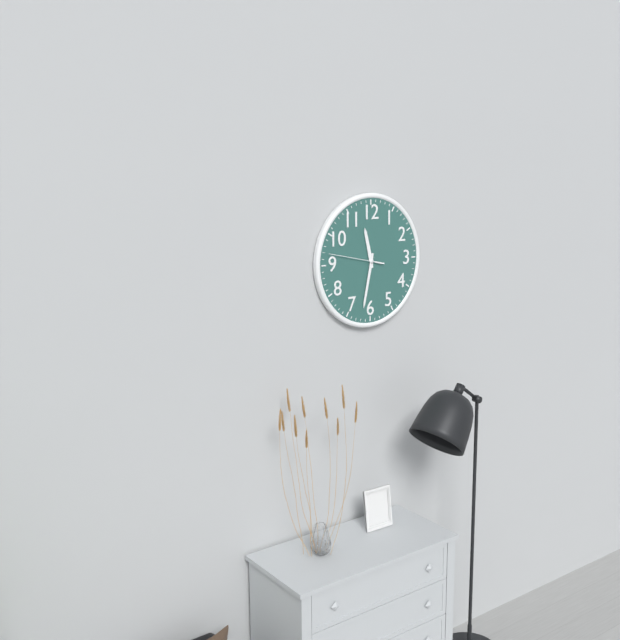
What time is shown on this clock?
11:32
